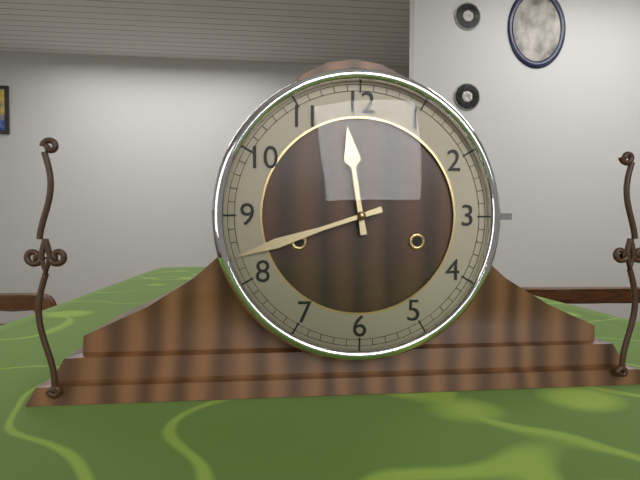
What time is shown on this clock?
11:42
